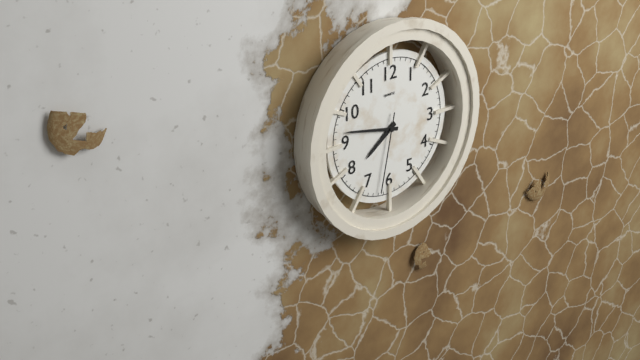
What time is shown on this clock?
7:47:32
